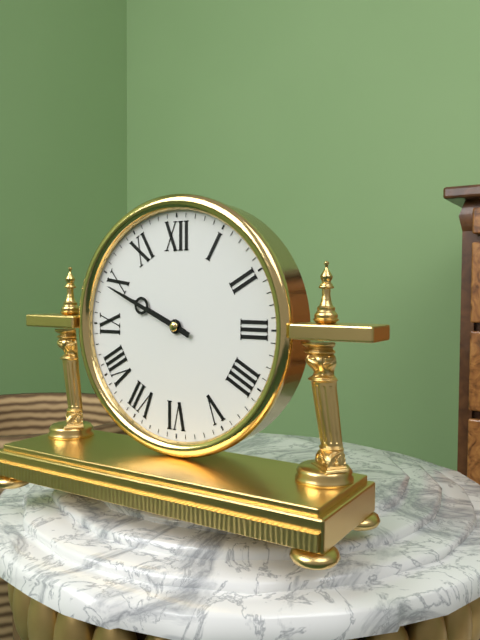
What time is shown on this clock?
9:49
